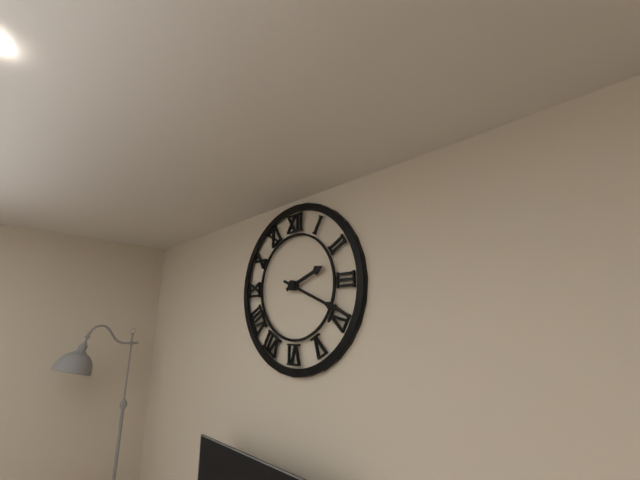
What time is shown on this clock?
2:19
